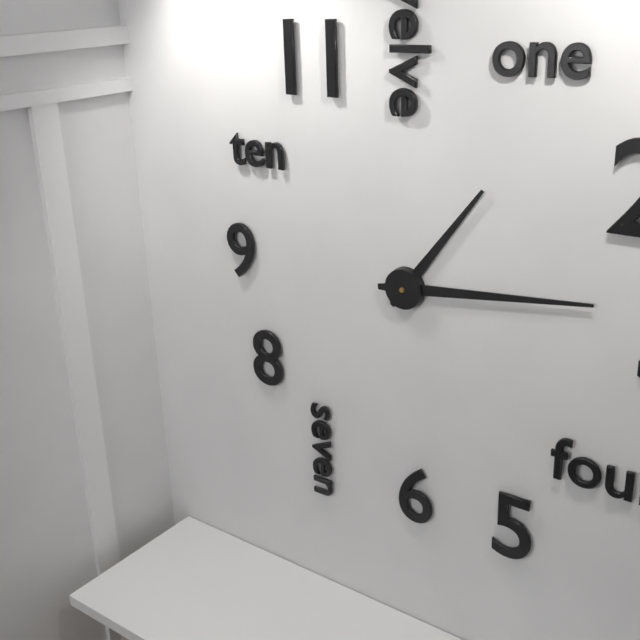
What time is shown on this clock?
1:14
